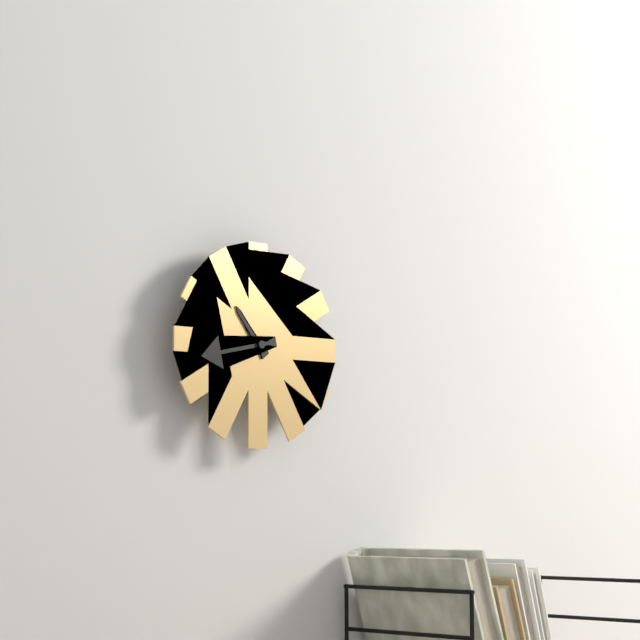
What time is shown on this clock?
10:43
